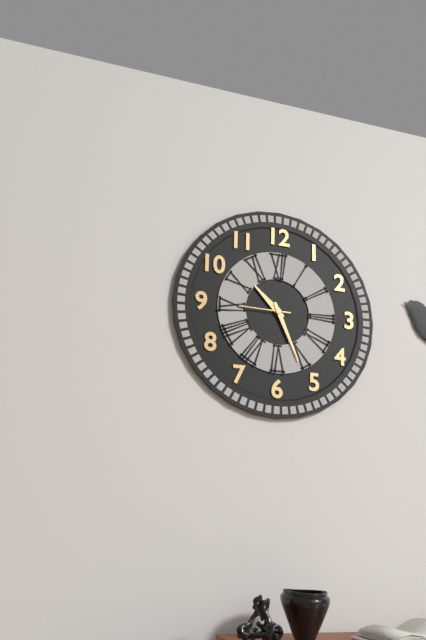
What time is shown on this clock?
10:26
